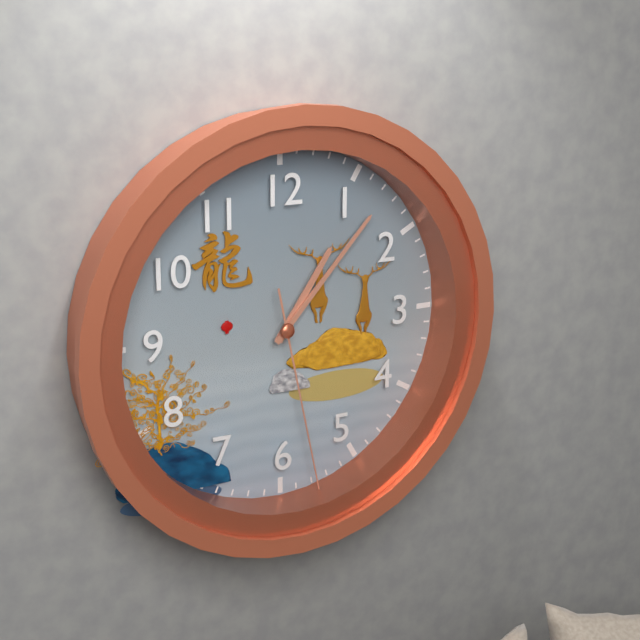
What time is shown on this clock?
1:07:28
